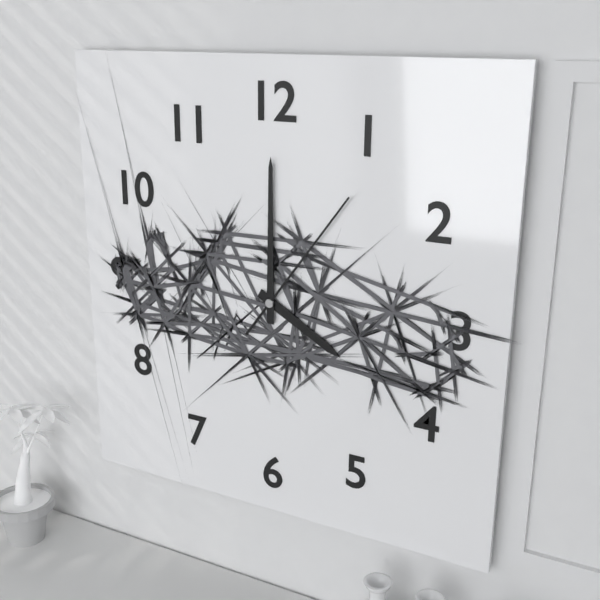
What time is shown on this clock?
4:00:06
